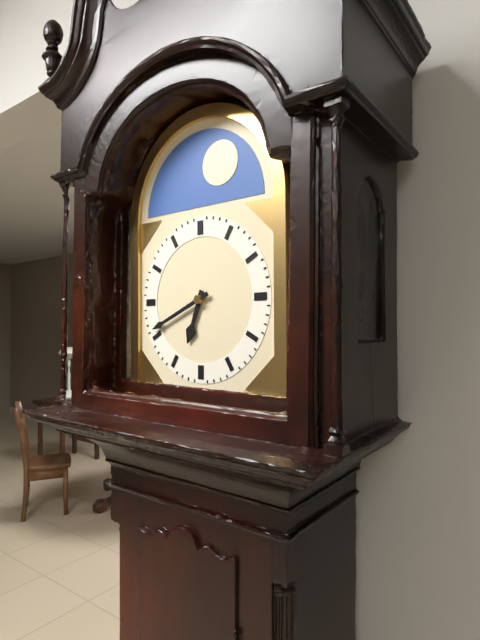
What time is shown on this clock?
6:41
